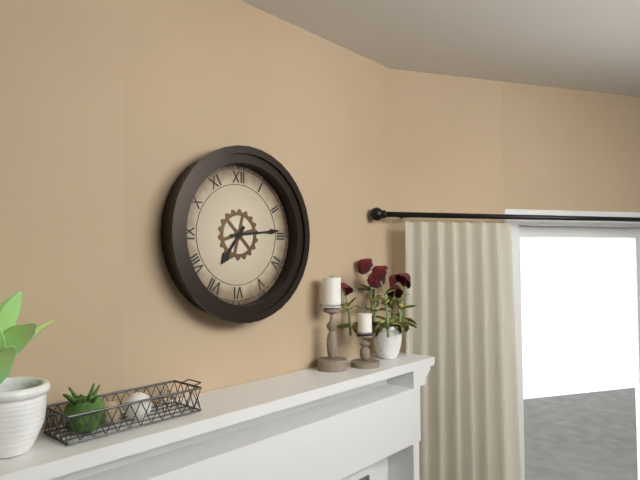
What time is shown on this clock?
7:14
